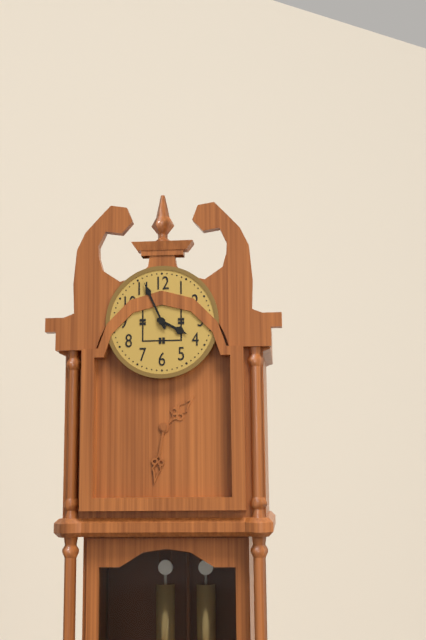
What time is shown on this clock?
3:56
